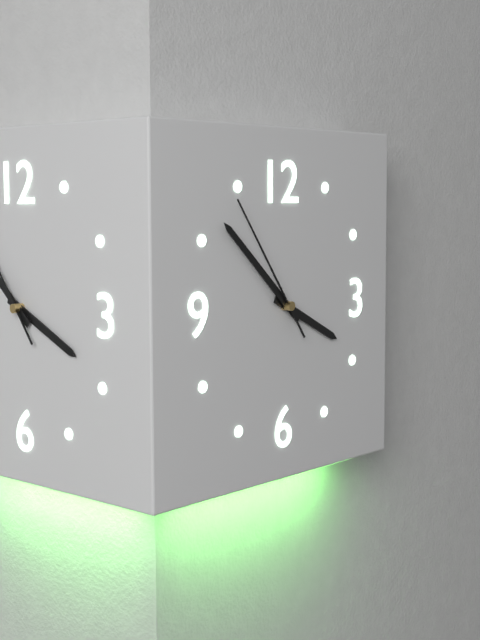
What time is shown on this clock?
3:52:54
